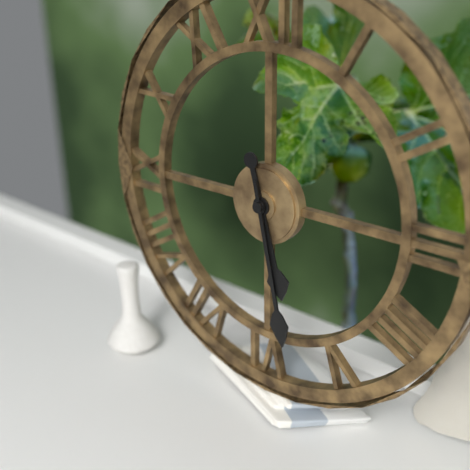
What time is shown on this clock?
5:28
